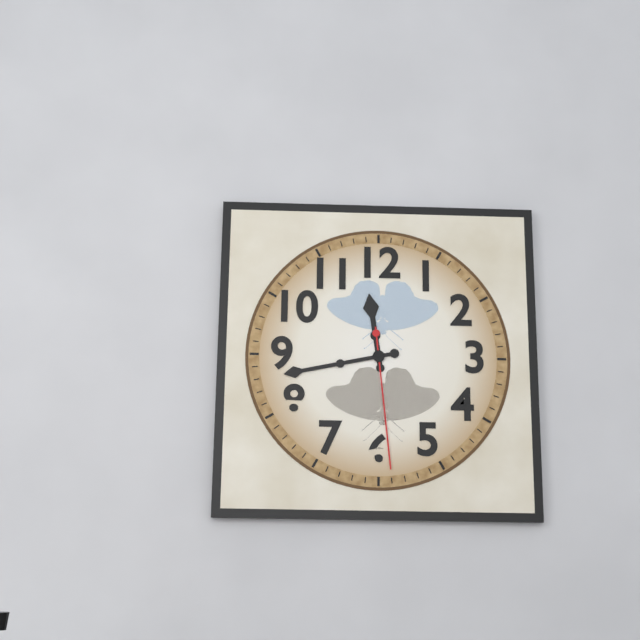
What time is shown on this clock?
11:43:29
